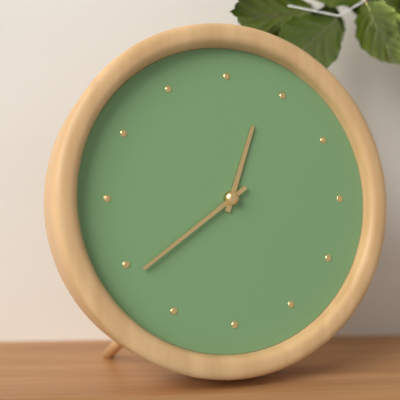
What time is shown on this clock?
12:39
